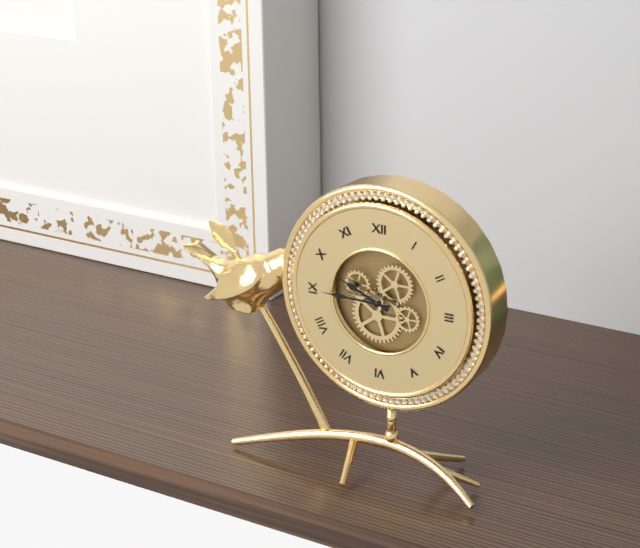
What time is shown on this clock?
9:45
